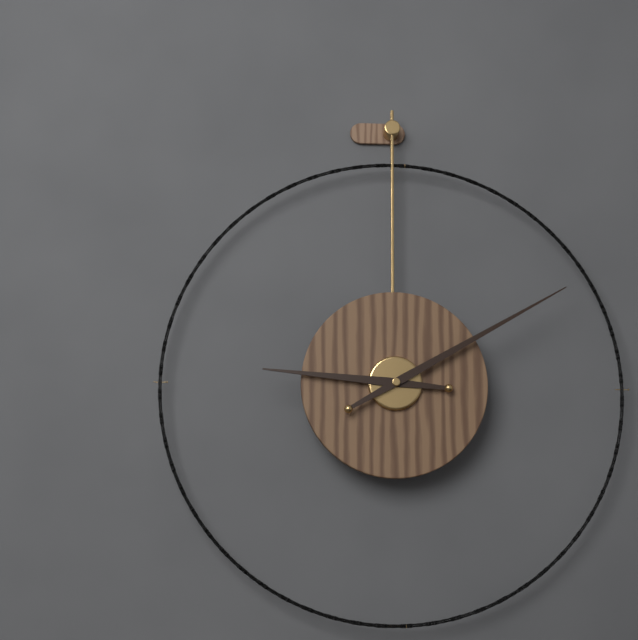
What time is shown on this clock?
9:10
